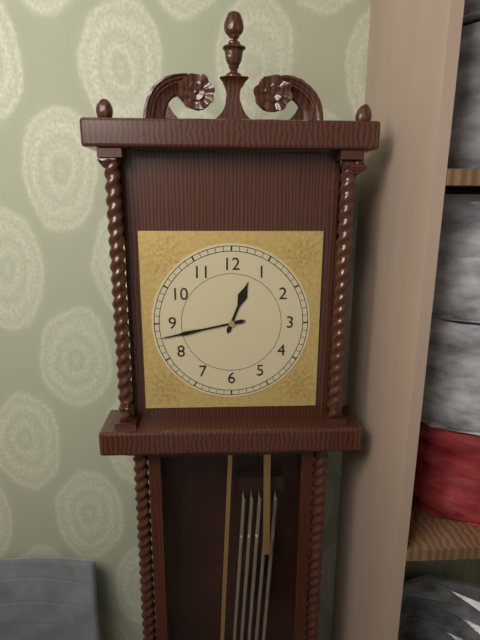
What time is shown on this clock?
12:43
